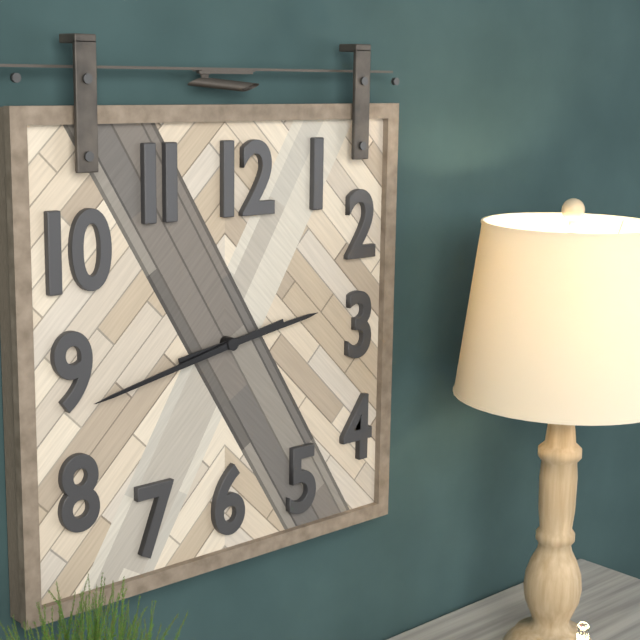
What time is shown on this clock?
2:43
